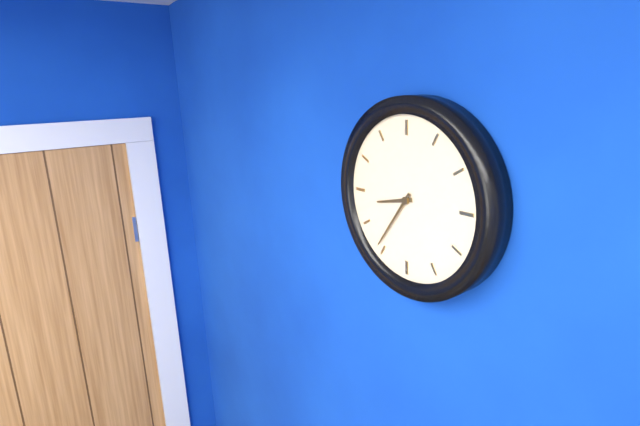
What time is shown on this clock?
8:36
